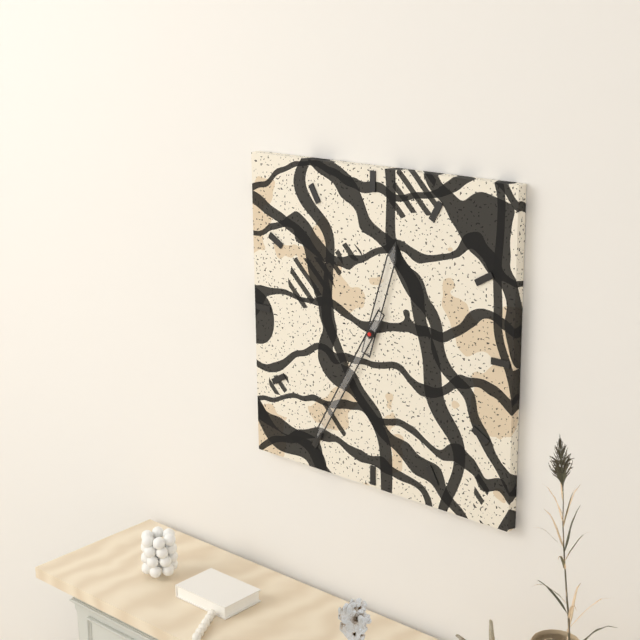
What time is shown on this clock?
12:35
